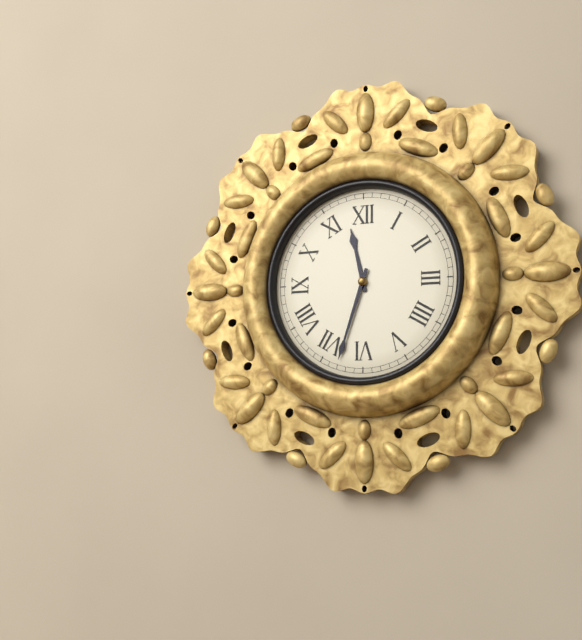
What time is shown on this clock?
11:33
